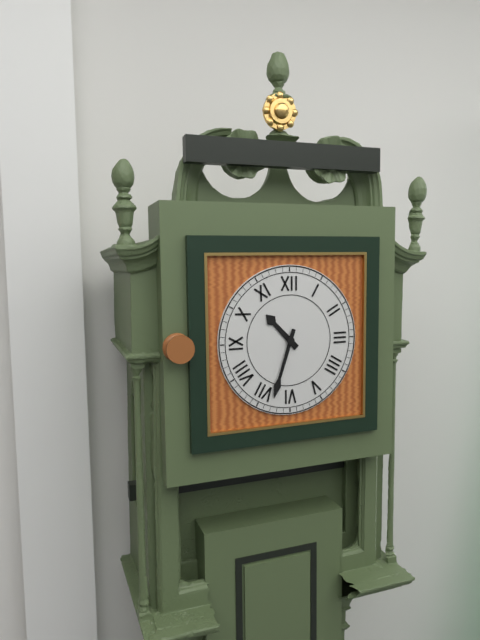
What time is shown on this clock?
10:33
